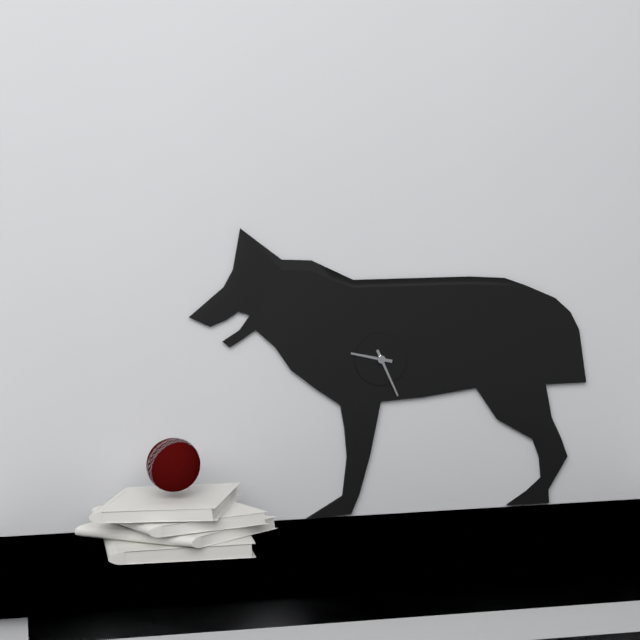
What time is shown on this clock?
9:26
